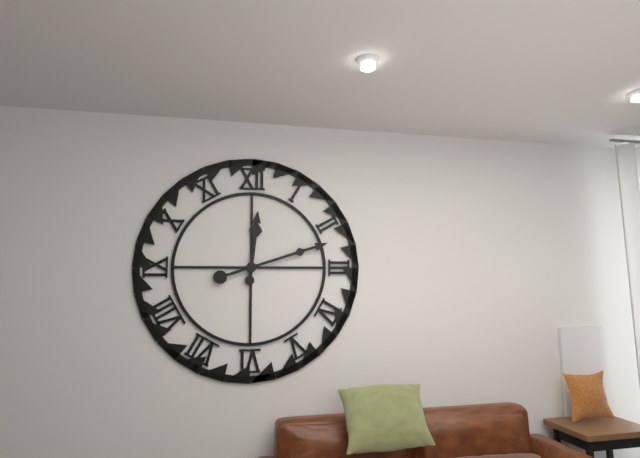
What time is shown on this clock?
12:12
